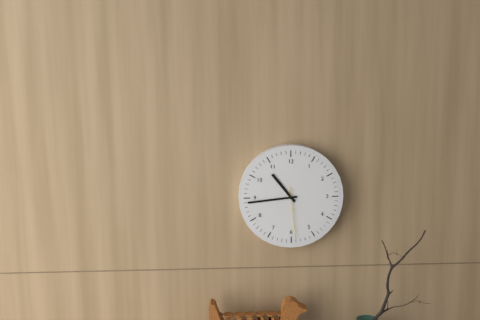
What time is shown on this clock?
10:44:29
